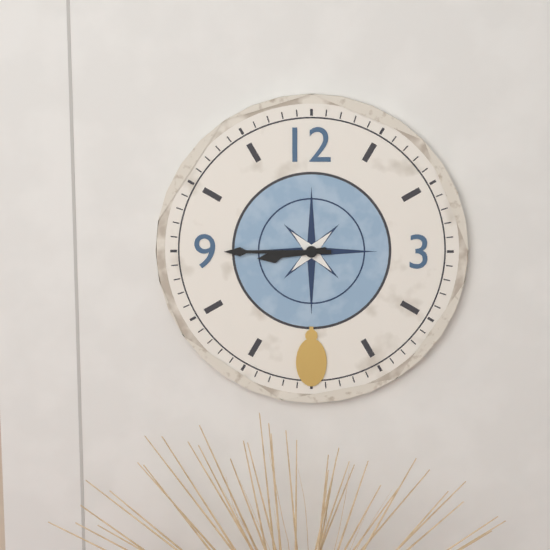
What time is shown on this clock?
8:45
